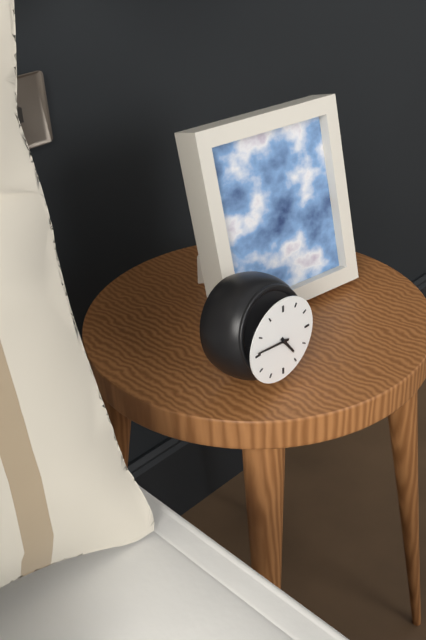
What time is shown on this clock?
4:46
